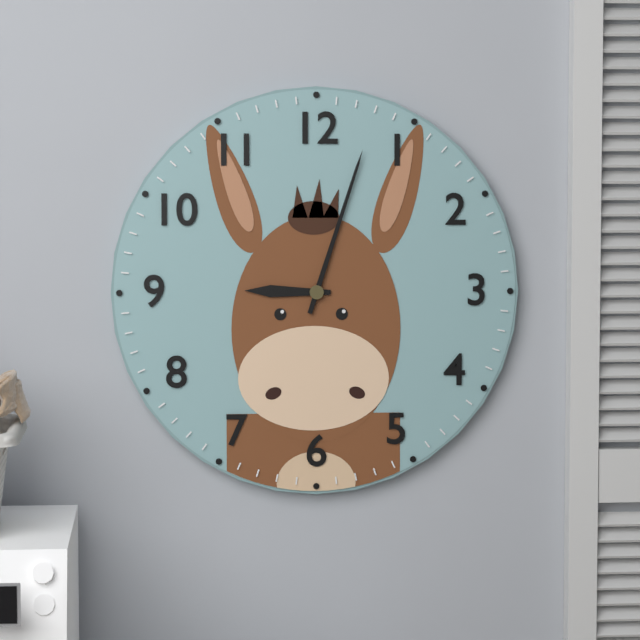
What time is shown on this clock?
9:03
